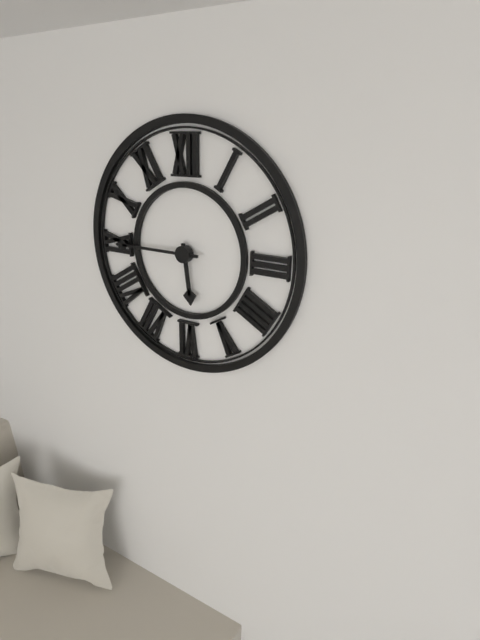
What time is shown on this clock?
5:45
